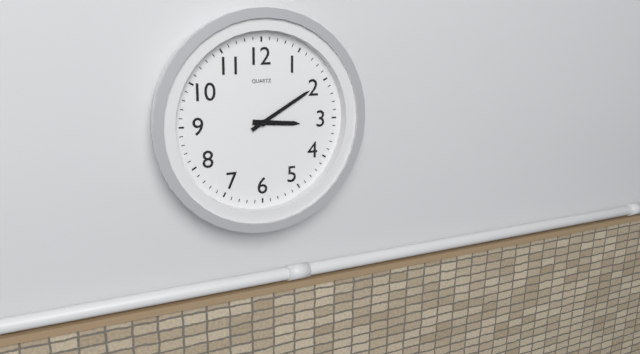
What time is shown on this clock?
3:10
